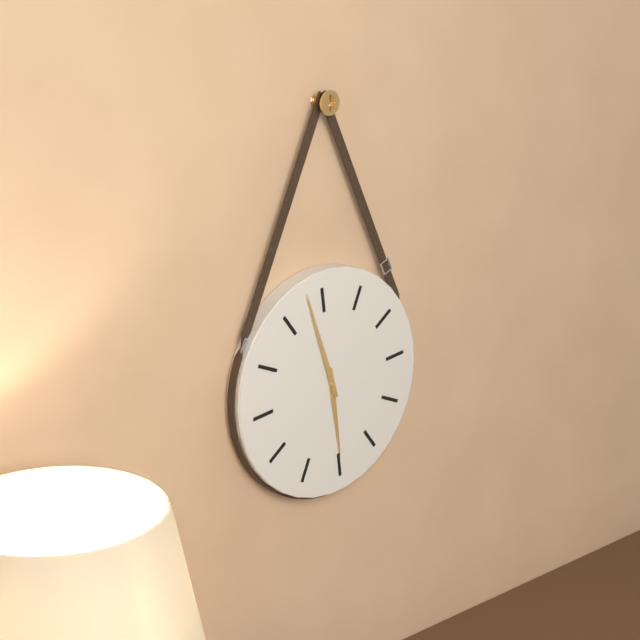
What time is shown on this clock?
5:58
